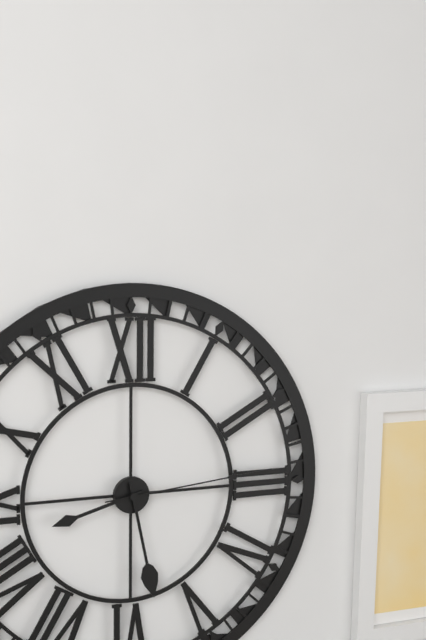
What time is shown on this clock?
8:28:14
